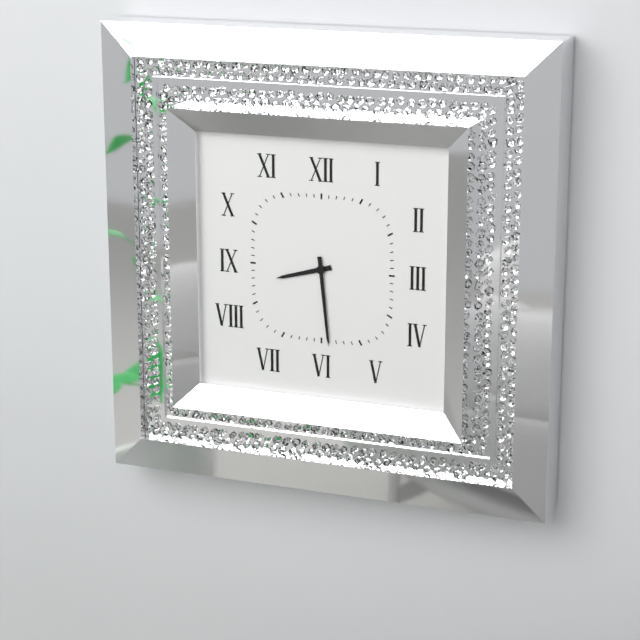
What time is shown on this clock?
8:29
